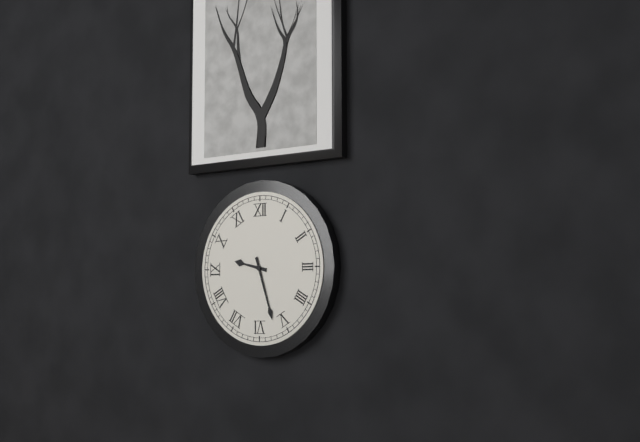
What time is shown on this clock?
9:27
